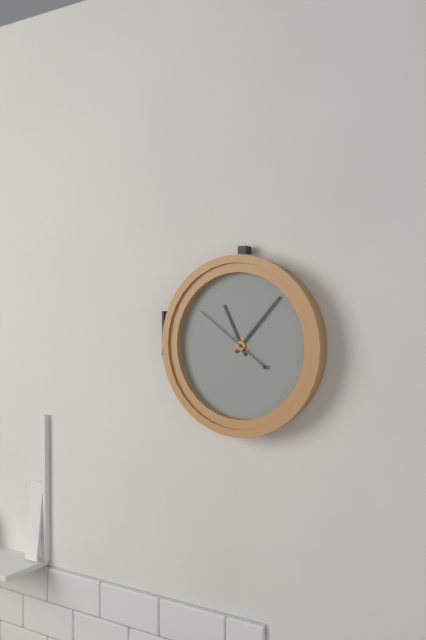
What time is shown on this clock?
11:07:51
